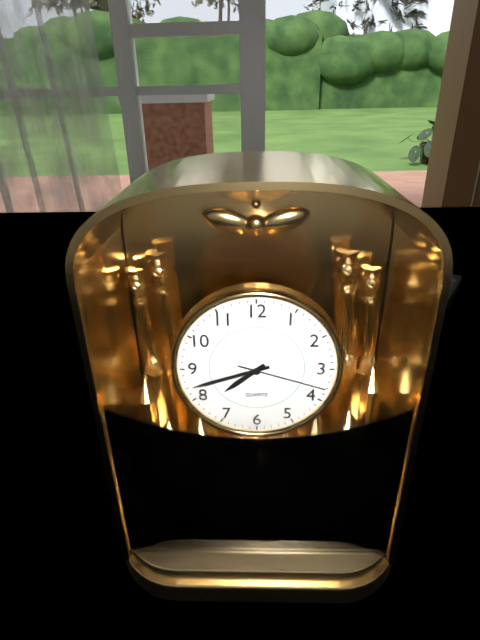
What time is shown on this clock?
7:42:18
